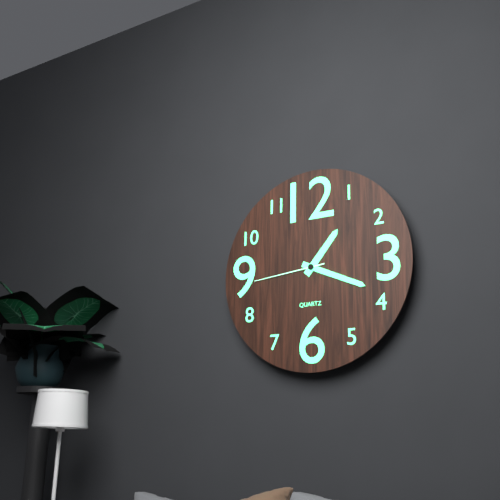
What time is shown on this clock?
1:19:44
